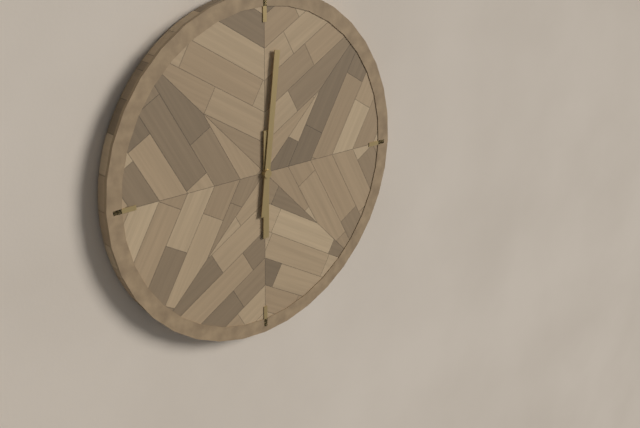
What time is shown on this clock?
6:01
